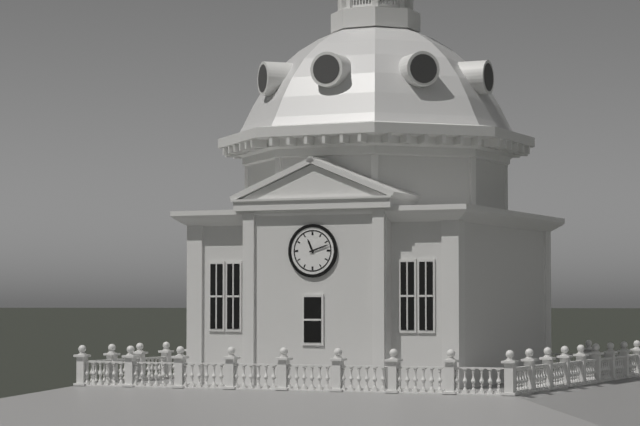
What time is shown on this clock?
11:12
